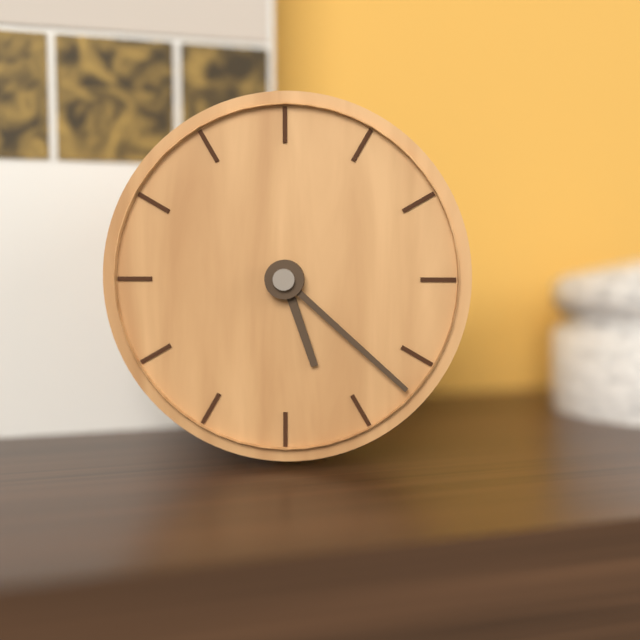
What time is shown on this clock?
5:22
